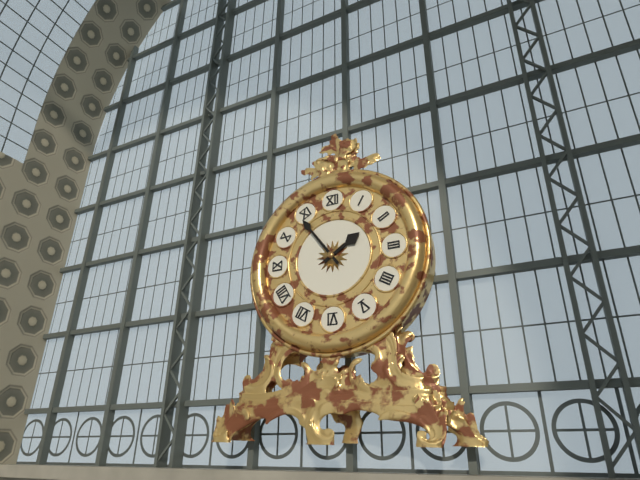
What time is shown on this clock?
1:54
